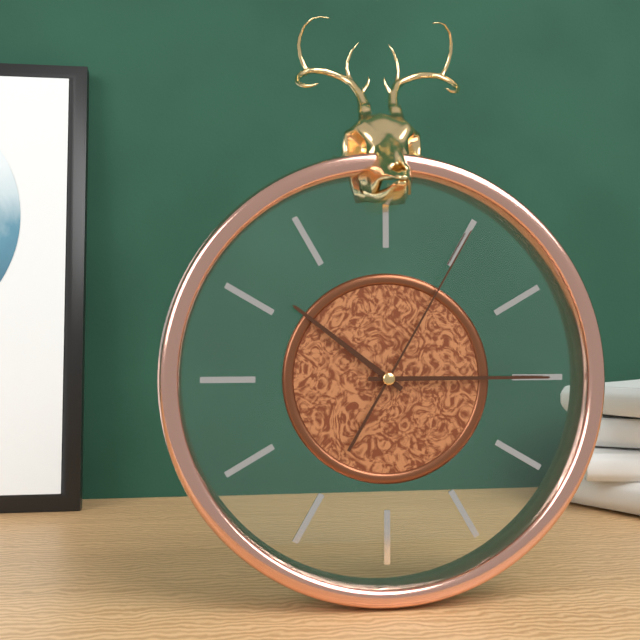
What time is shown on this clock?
10:15:05
